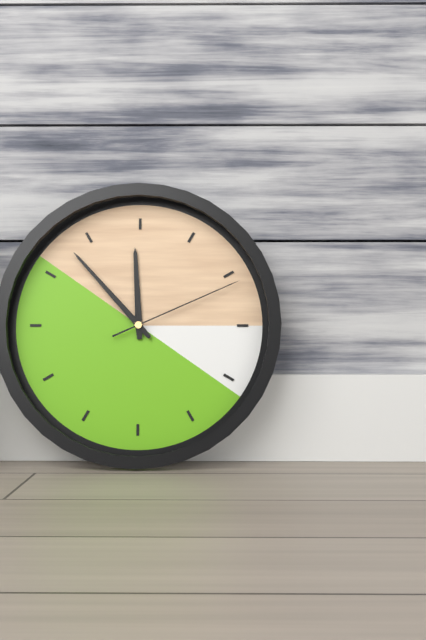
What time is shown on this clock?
11:53:11
